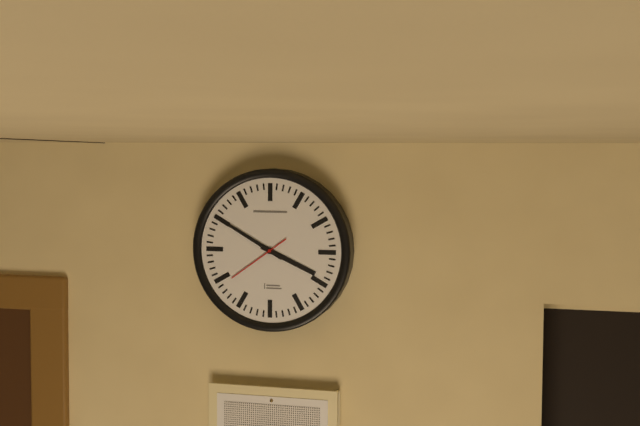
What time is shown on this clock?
3:50:39
